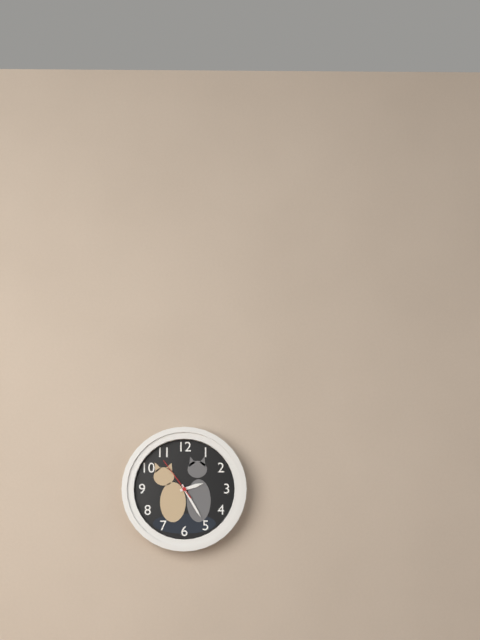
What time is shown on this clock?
2:25
